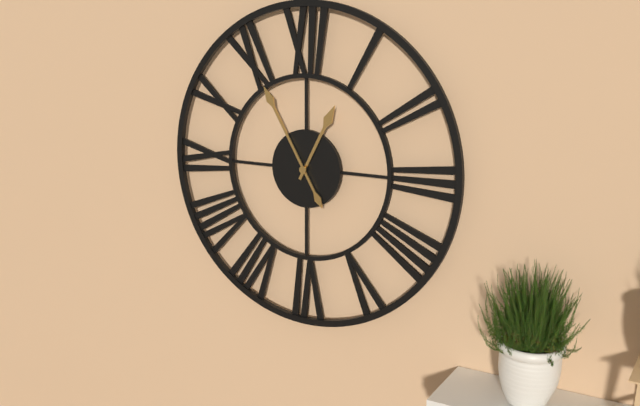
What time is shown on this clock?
12:55
